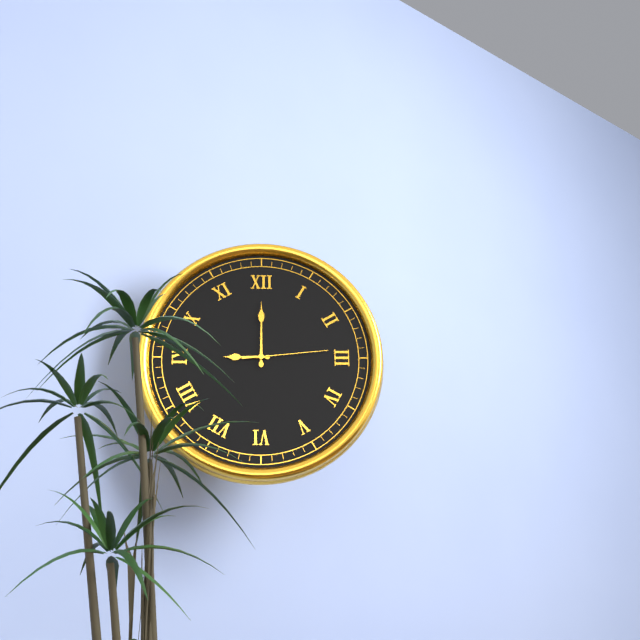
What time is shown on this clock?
9:00:14
